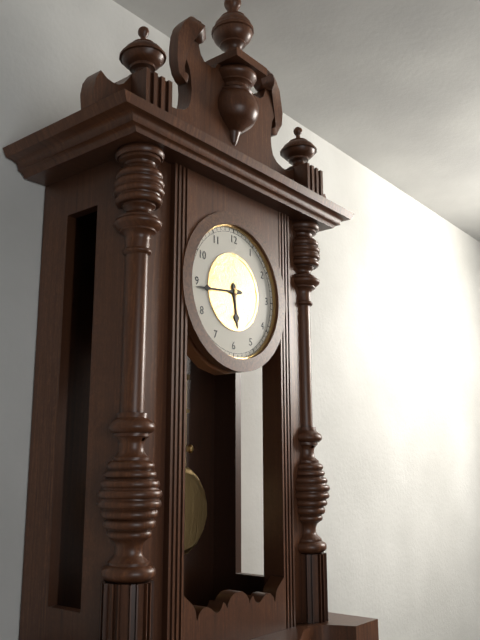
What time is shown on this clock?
5:44
